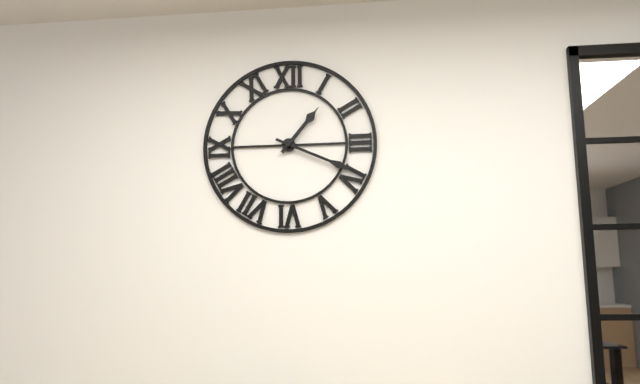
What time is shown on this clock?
1:19
